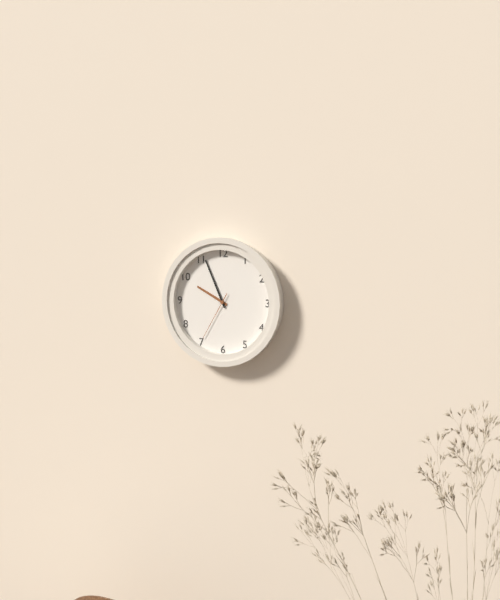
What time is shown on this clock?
9:56:35
